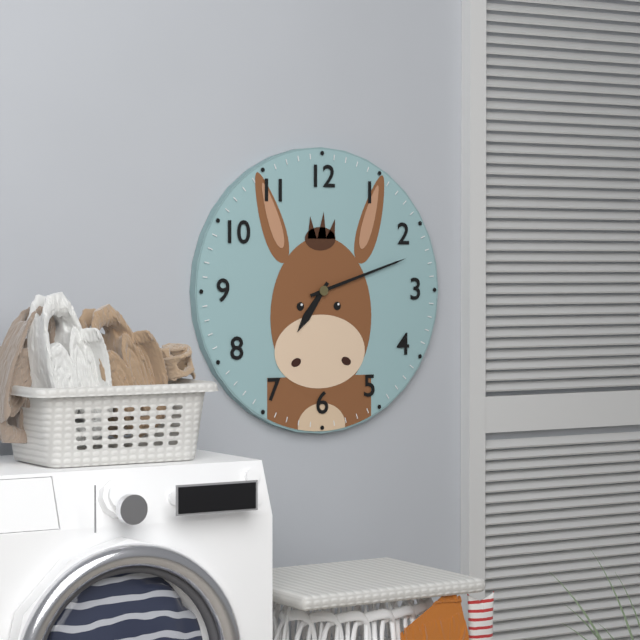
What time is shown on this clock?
7:12
